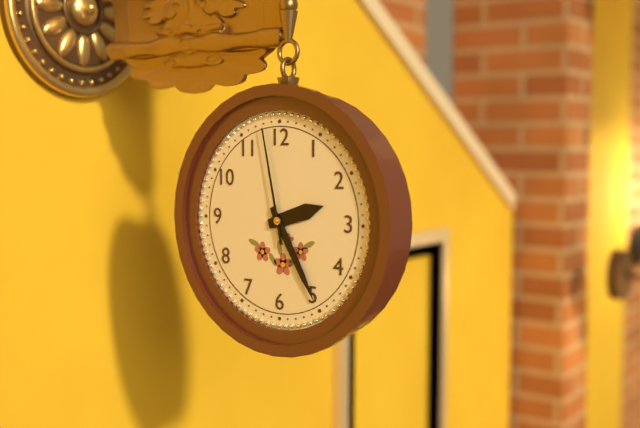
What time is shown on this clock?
2:25:58
